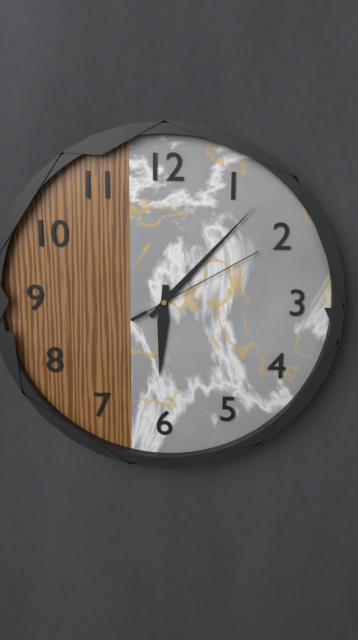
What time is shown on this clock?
6:07:10
